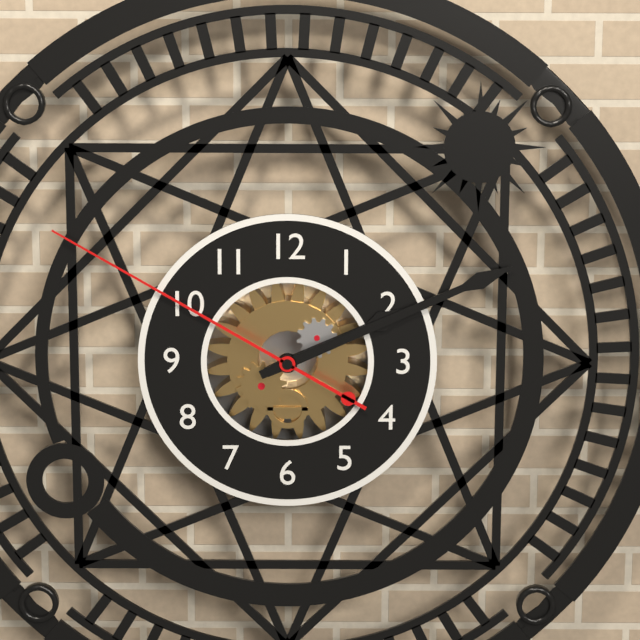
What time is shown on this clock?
2:11:50
